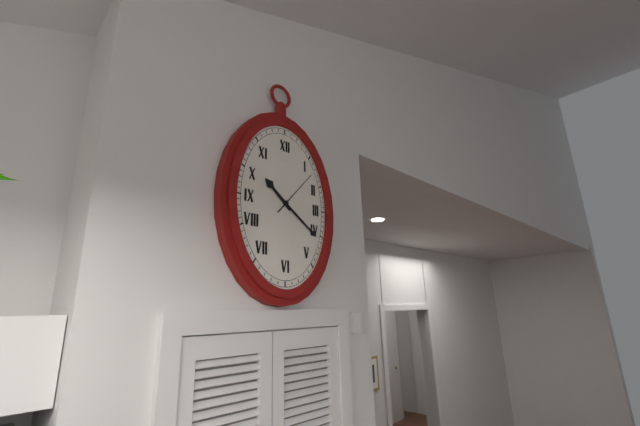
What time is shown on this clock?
10:21
